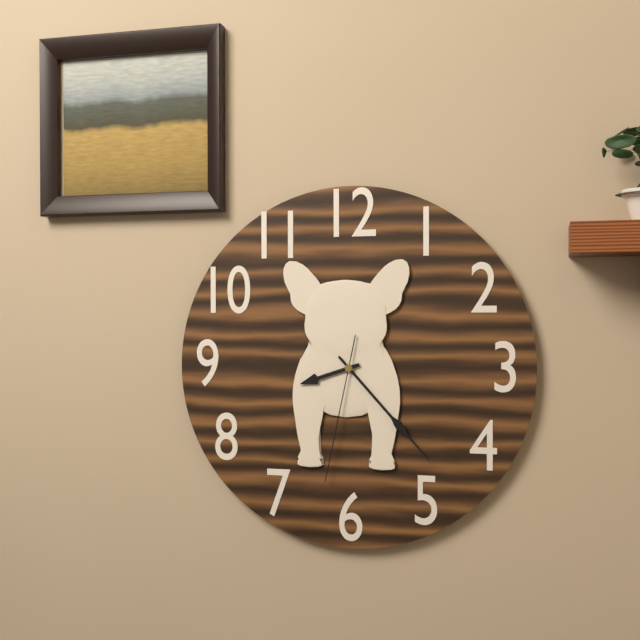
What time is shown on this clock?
8:23:32
